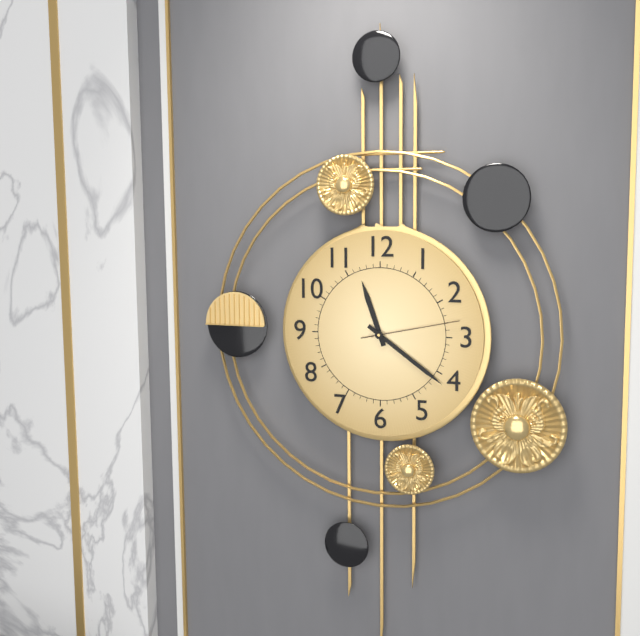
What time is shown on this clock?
11:21:13
